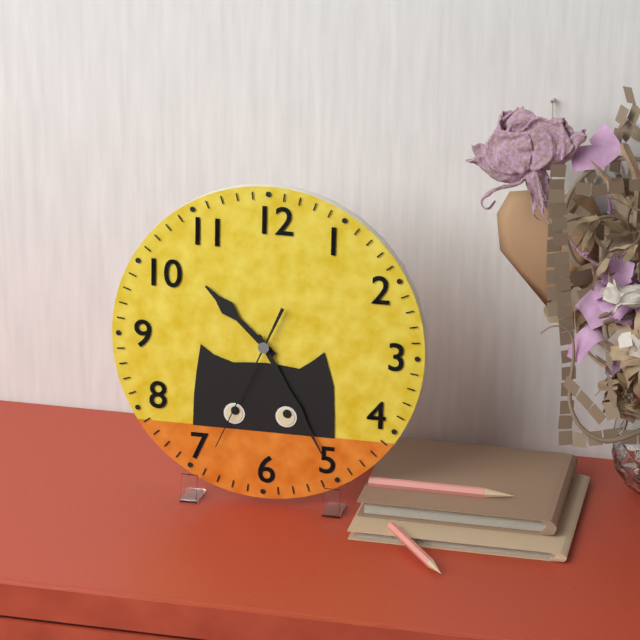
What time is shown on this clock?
10:25:34
